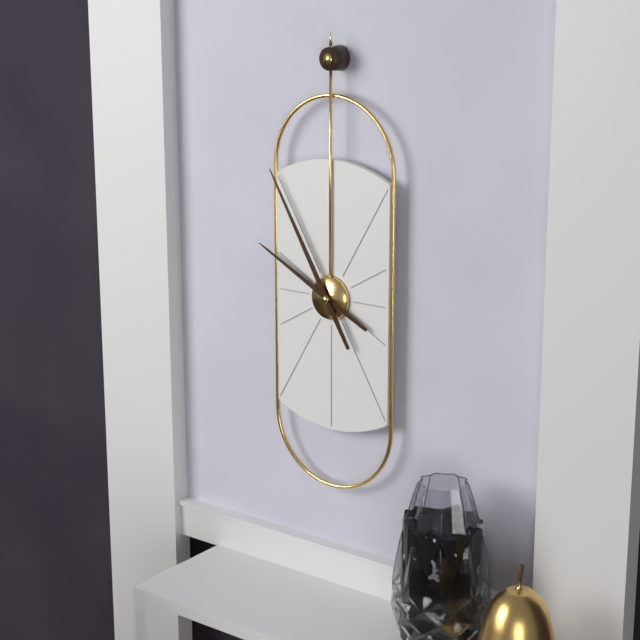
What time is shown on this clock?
9:55
